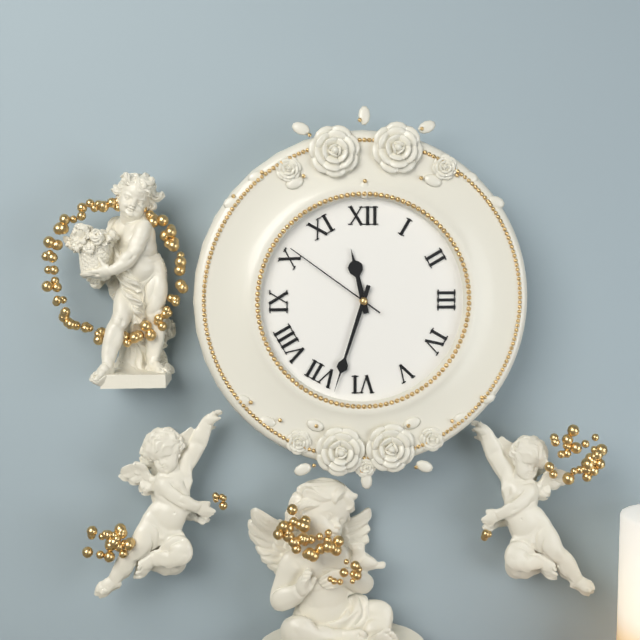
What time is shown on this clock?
11:33:51
